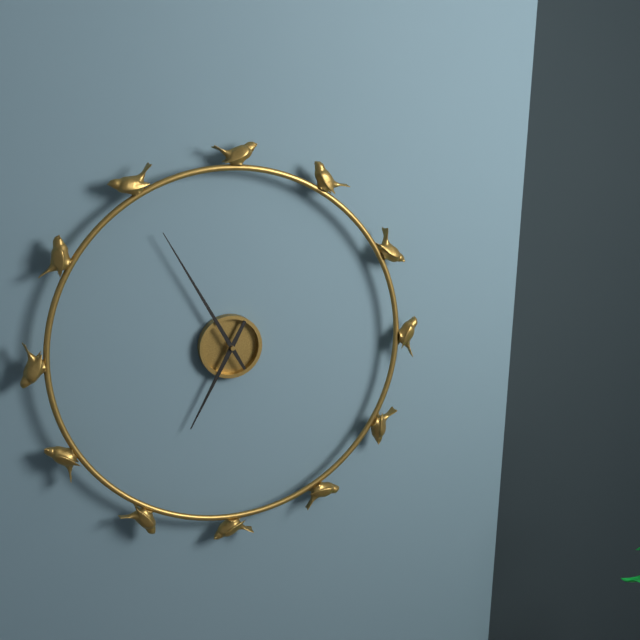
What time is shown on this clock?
6:55
